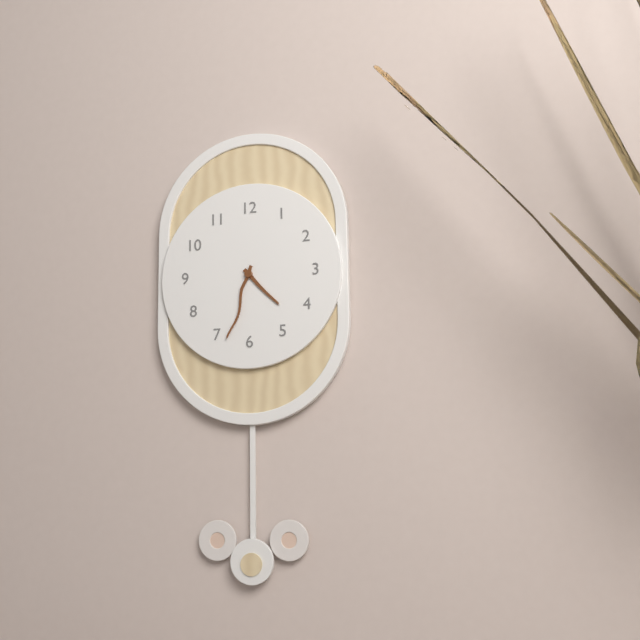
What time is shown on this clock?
4:33
